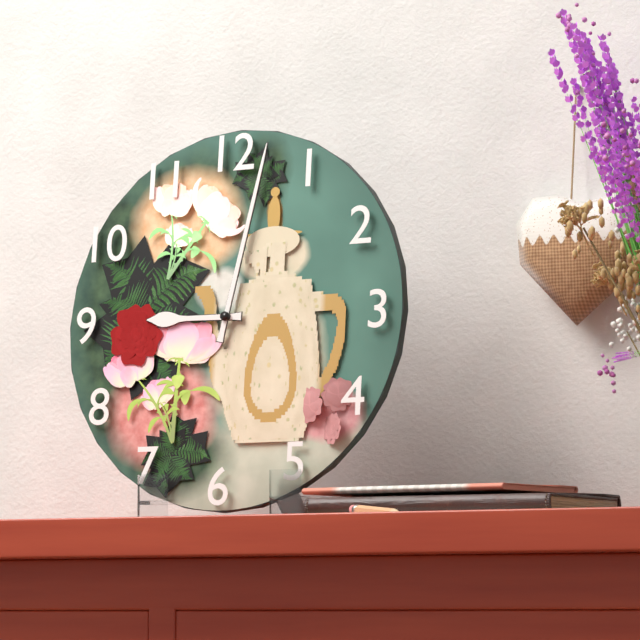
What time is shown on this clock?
9:02
